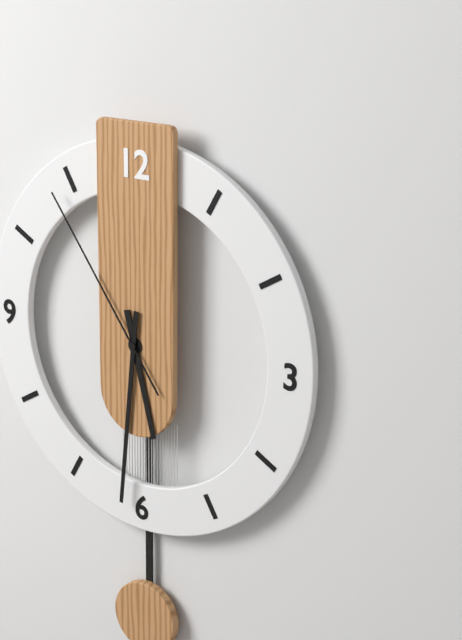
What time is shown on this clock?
5:31:54
